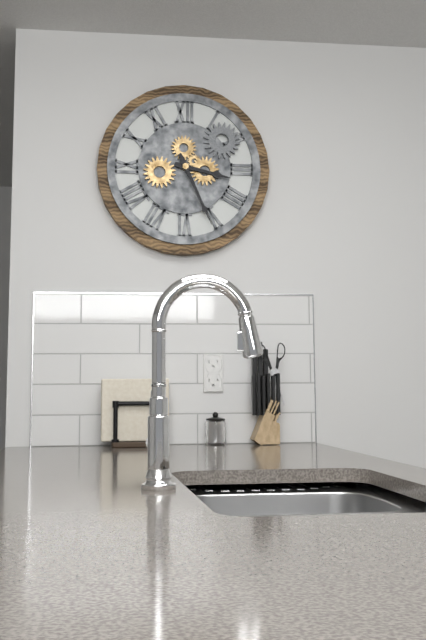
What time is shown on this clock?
3:26
